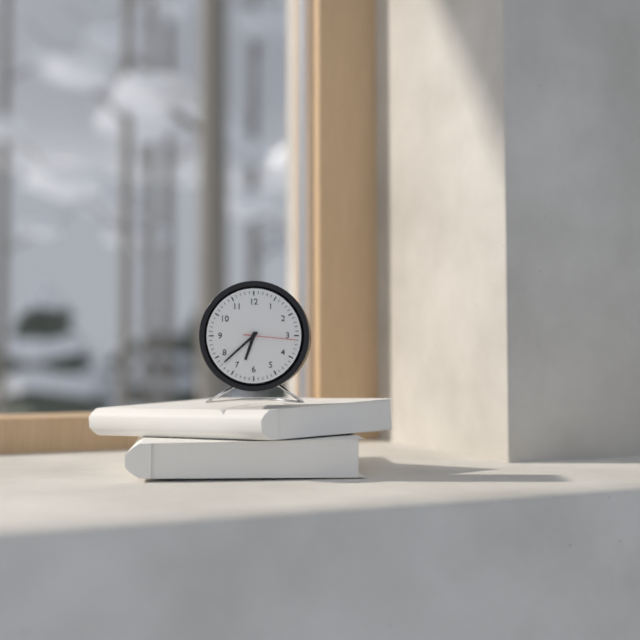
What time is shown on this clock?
6:38
